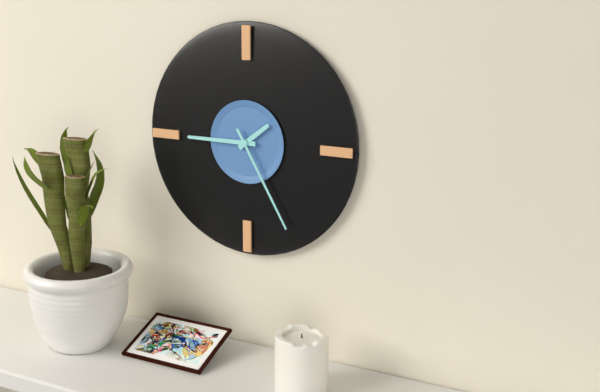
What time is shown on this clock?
1:45:25
